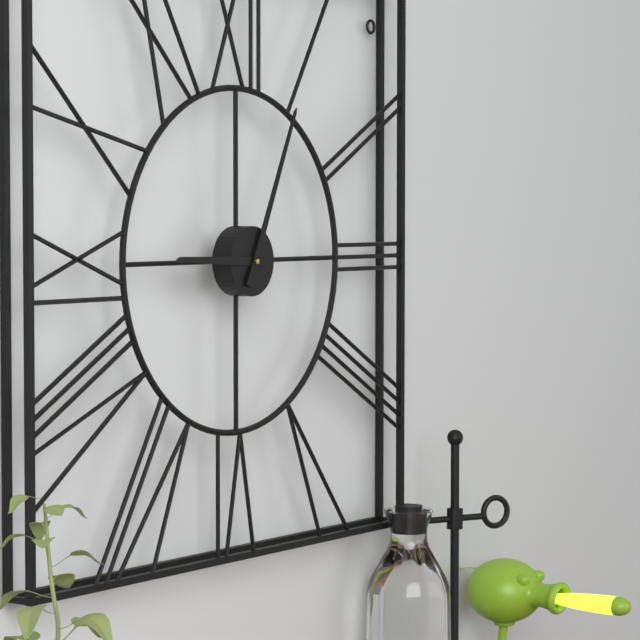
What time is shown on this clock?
9:04
